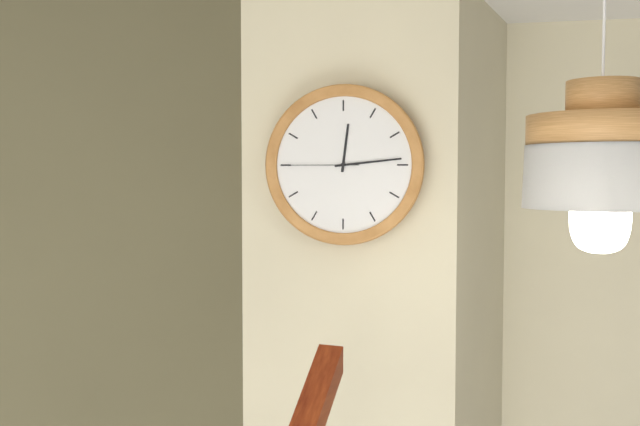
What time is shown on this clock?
12:14:45
